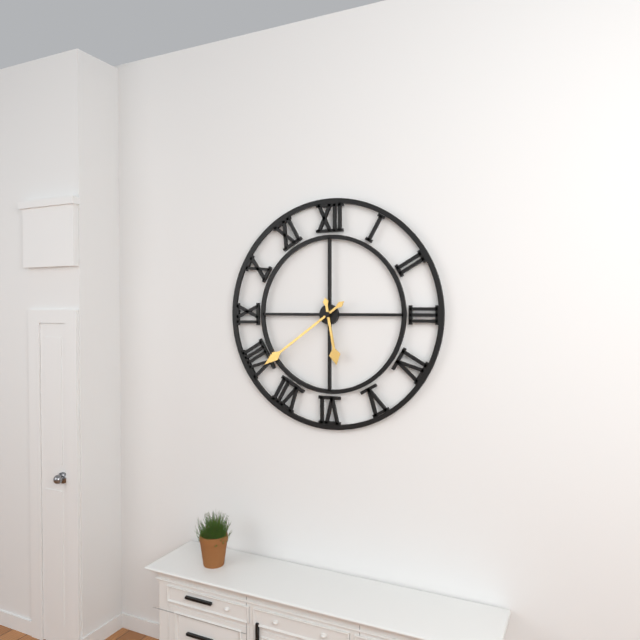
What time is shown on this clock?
5:39
